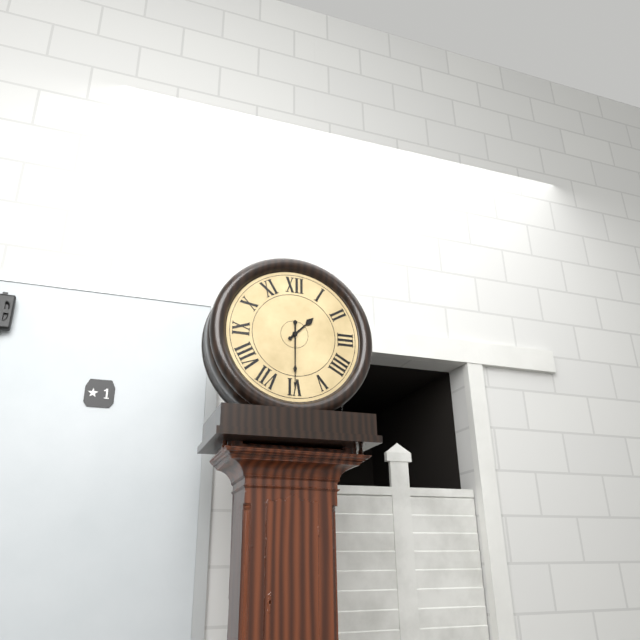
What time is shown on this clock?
1:30
